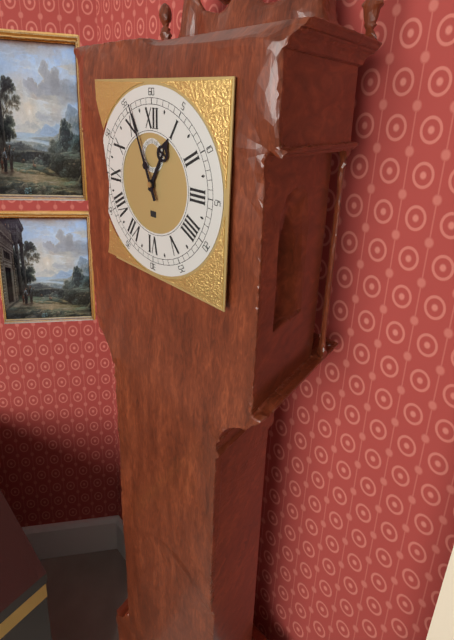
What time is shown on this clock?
12:56
